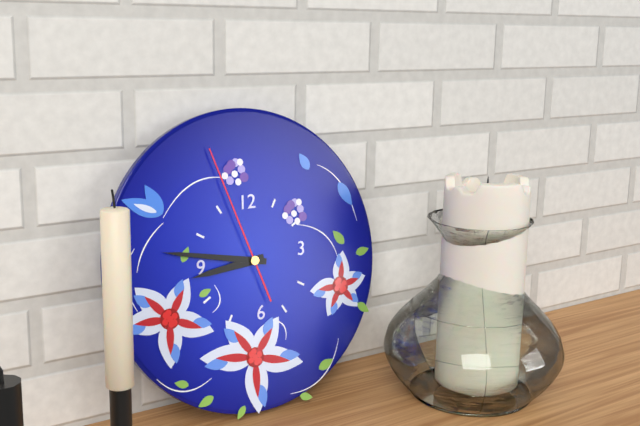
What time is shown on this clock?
8:47:57
